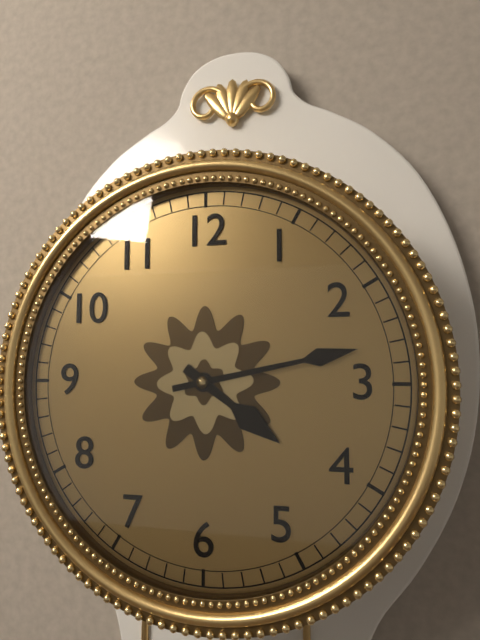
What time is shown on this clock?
4:13
